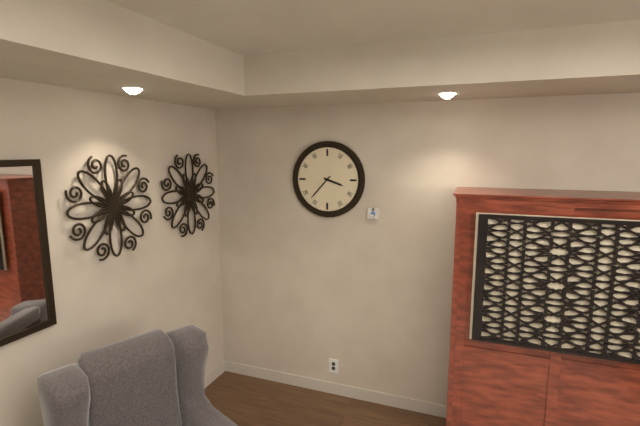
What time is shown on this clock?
3:37
